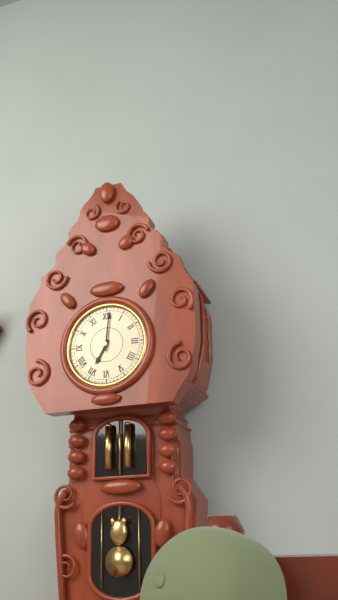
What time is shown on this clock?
7:01
